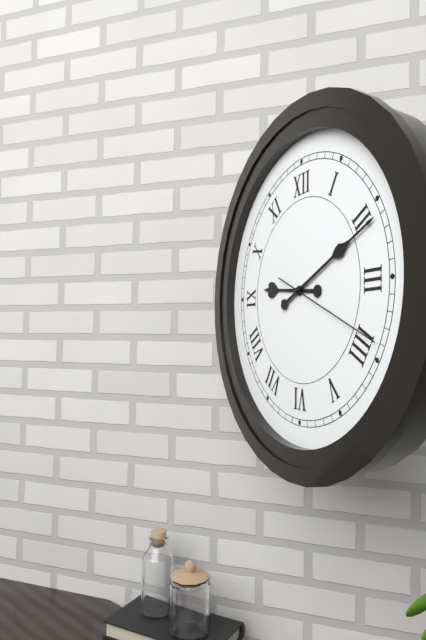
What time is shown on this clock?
9:11:19
